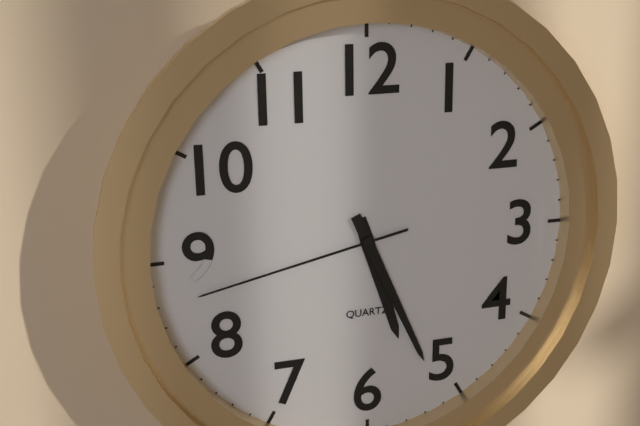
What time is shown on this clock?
5:26:43
